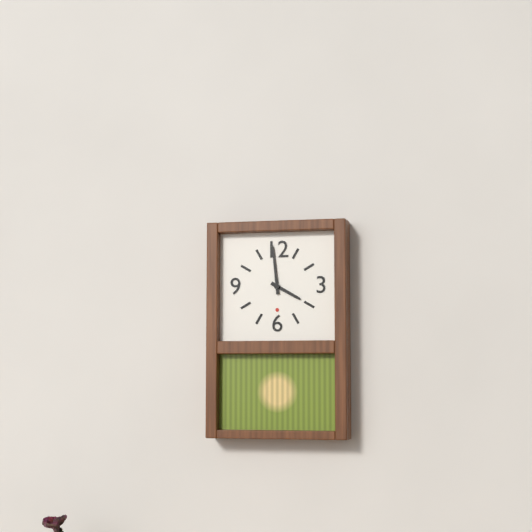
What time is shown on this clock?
3:59
